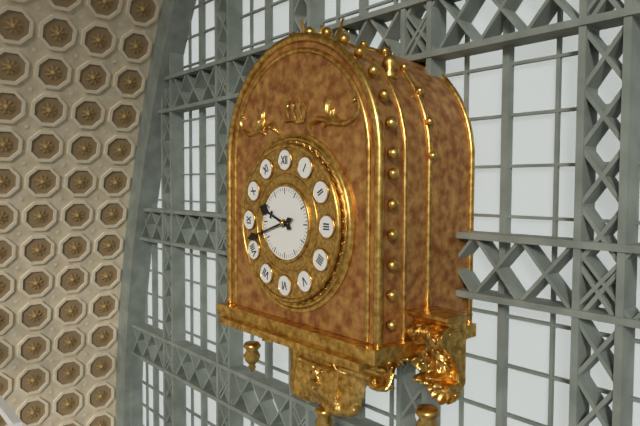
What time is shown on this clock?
9:42
